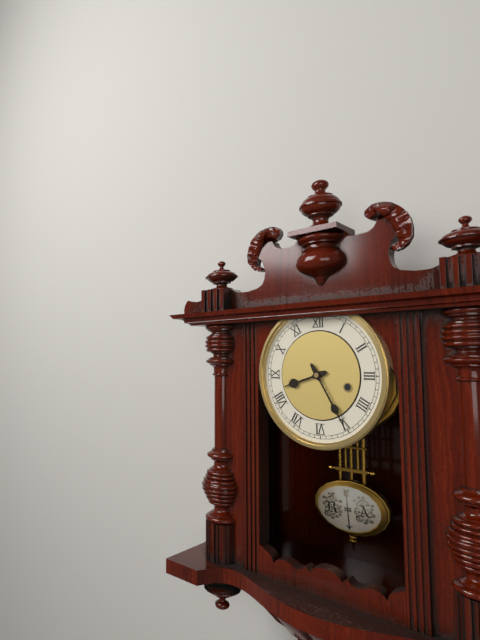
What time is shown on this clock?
8:25
